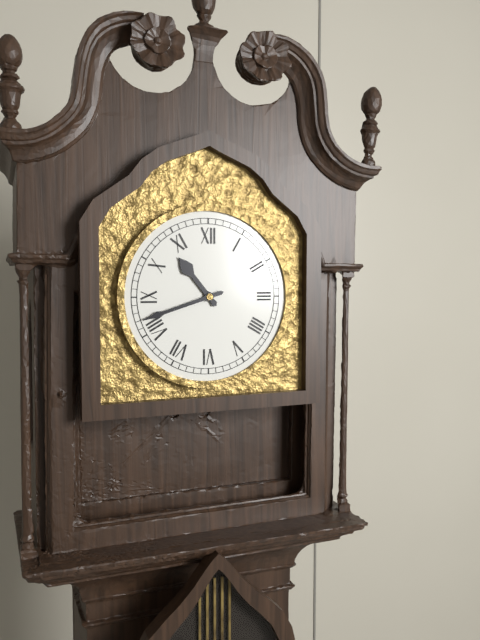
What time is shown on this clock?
10:42
